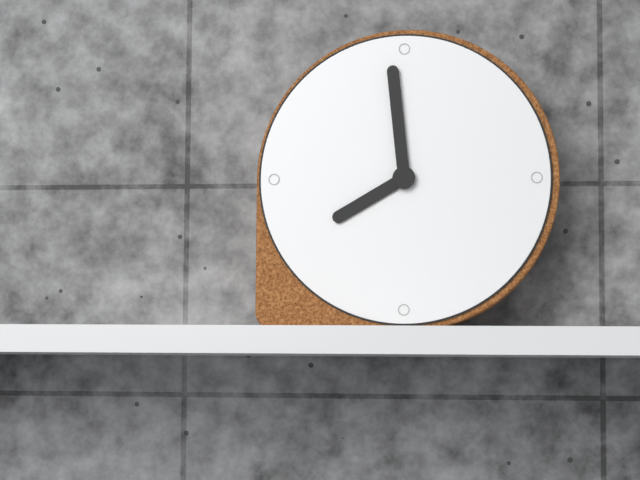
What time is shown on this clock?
7:59
